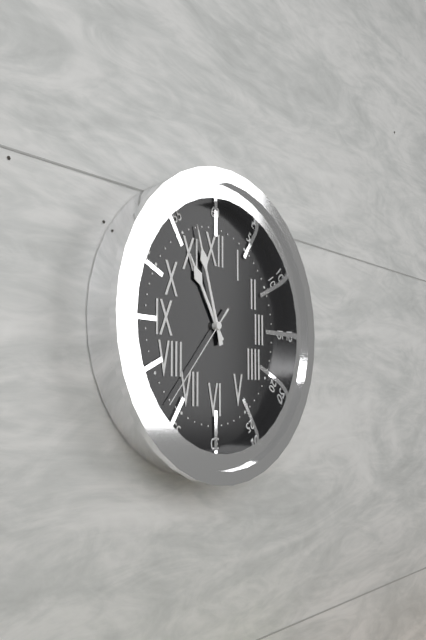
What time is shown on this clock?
10:57:37
